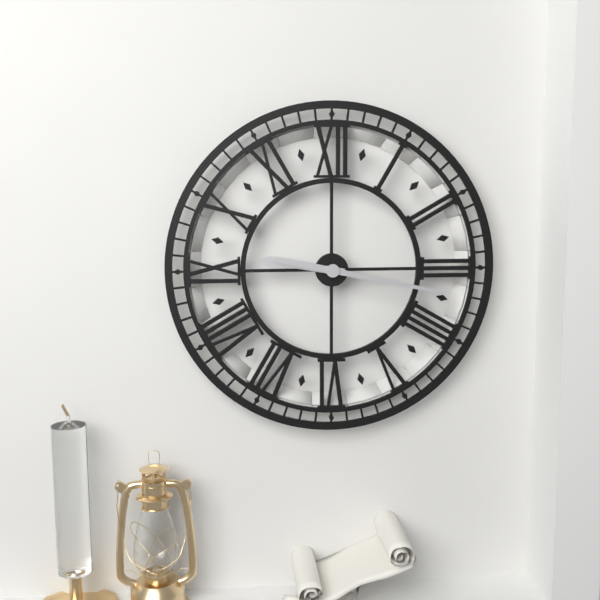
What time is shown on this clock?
9:17
